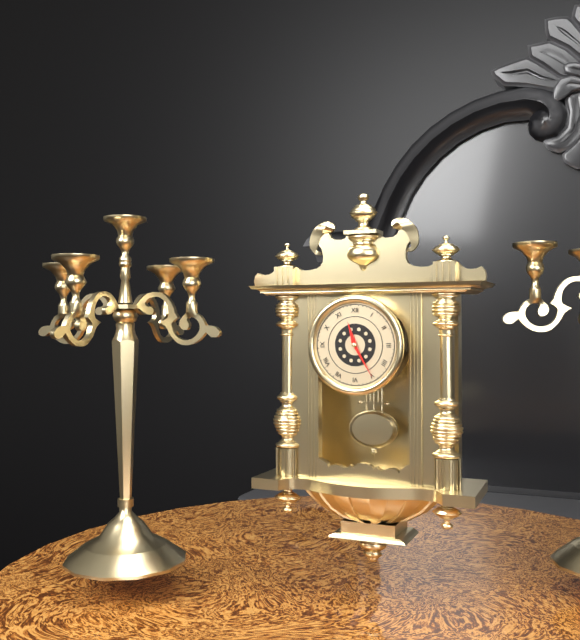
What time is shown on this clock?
11:25
